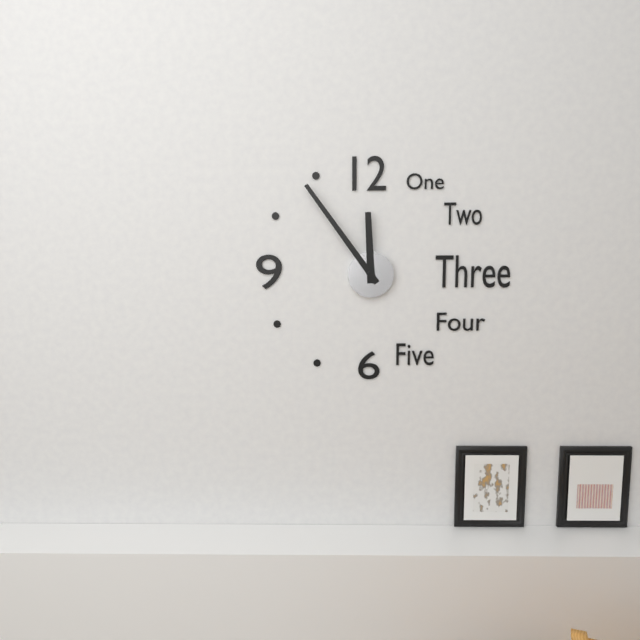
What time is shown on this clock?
11:54
